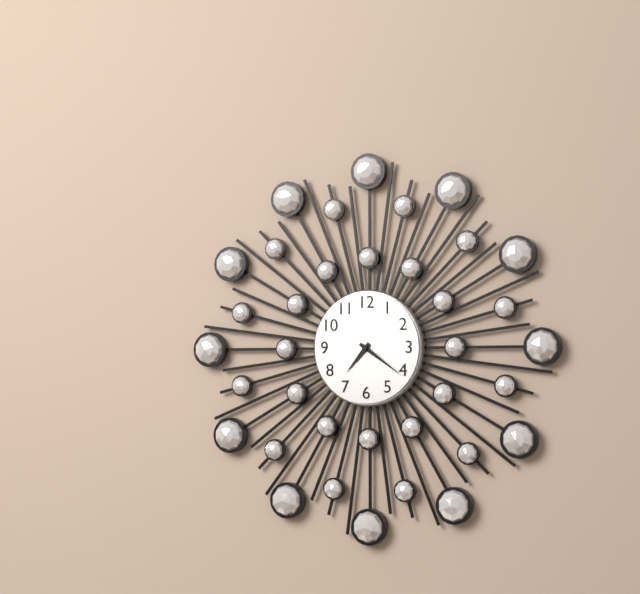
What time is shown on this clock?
7:21
